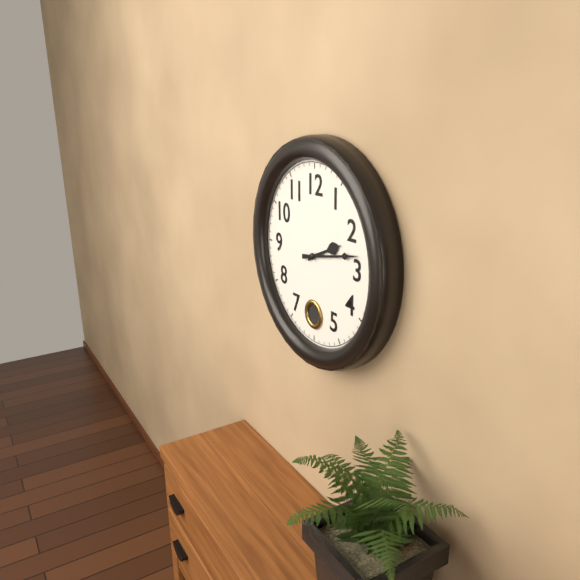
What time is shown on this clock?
2:13
